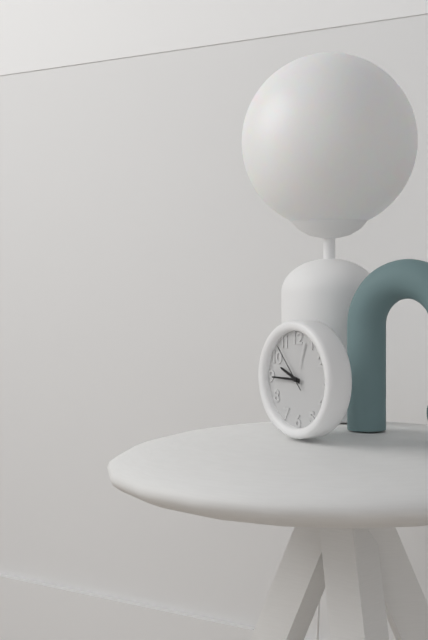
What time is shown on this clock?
9:45
